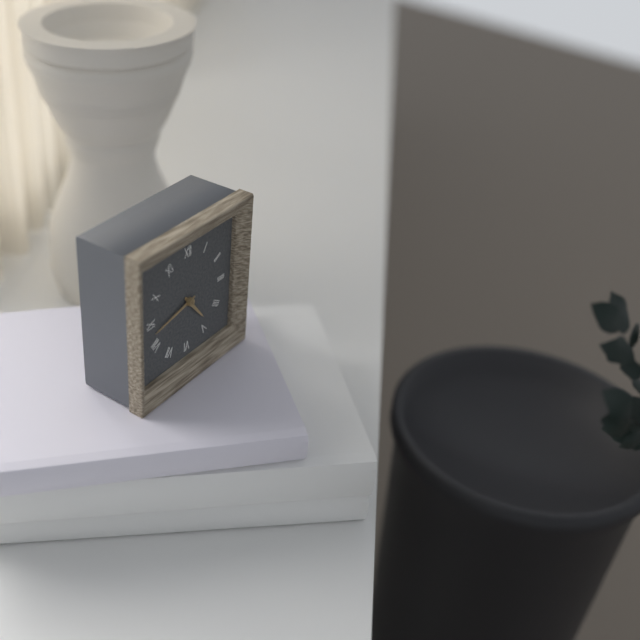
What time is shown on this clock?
4:43
